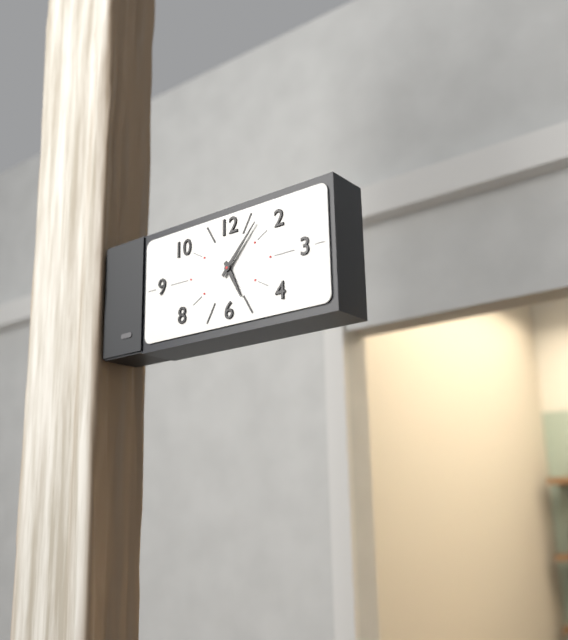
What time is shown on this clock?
5:07
